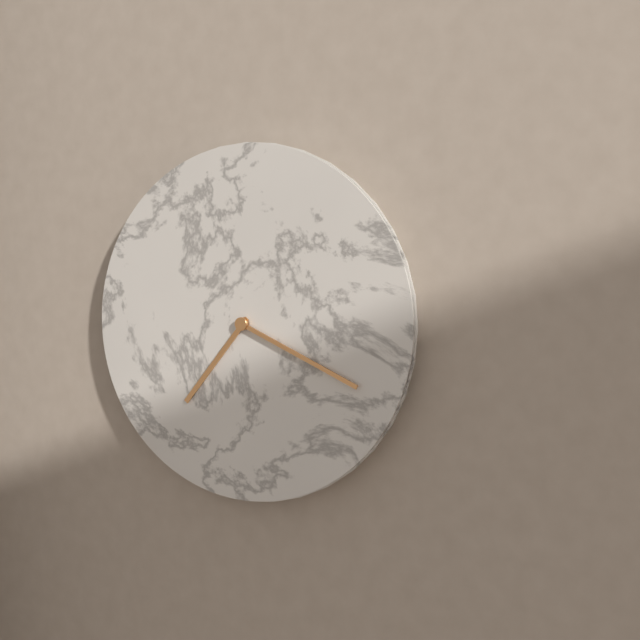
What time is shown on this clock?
7:19
